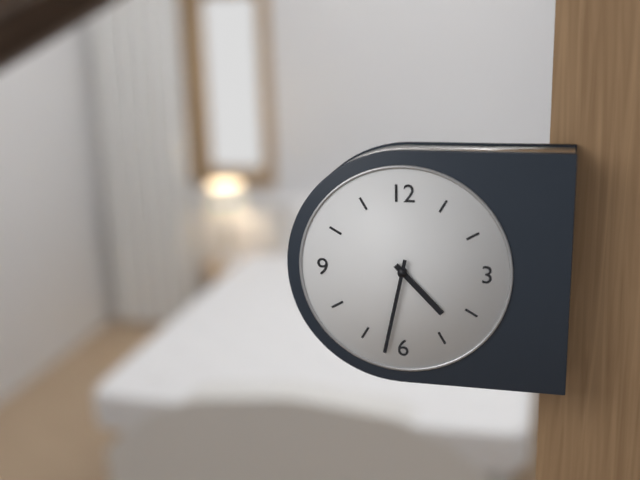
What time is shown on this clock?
4:32
